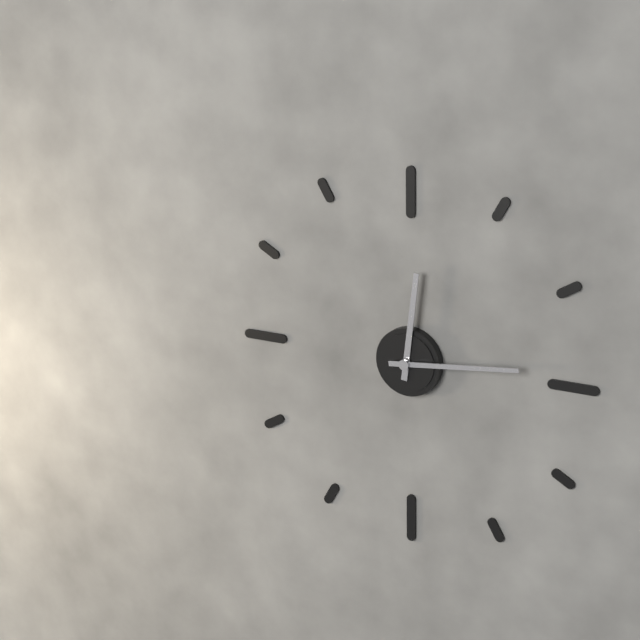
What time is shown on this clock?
12:14
